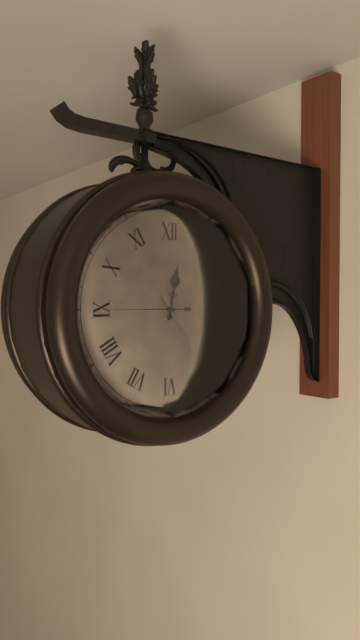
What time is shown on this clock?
12:24:45
